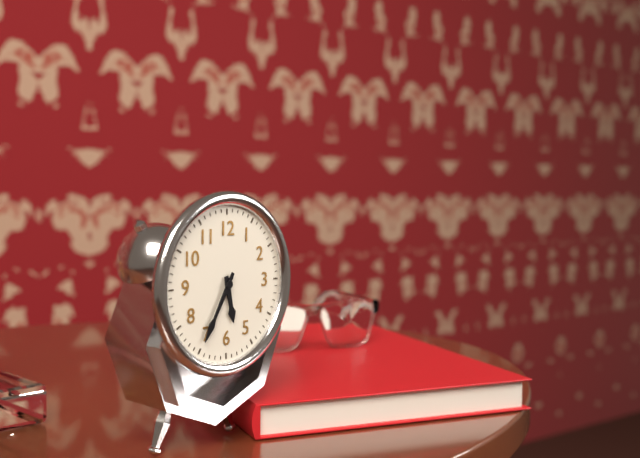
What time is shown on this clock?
5:35
